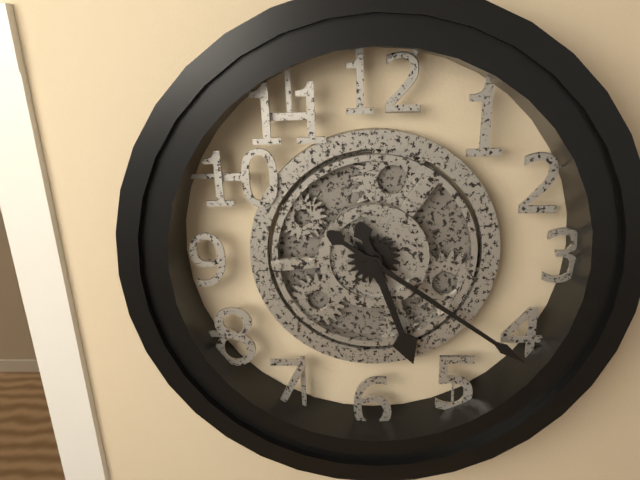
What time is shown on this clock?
5:21
